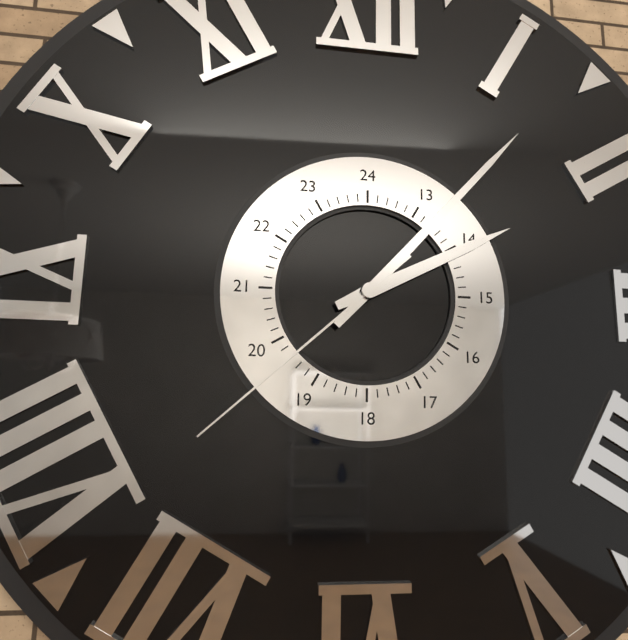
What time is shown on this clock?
2:07:38
